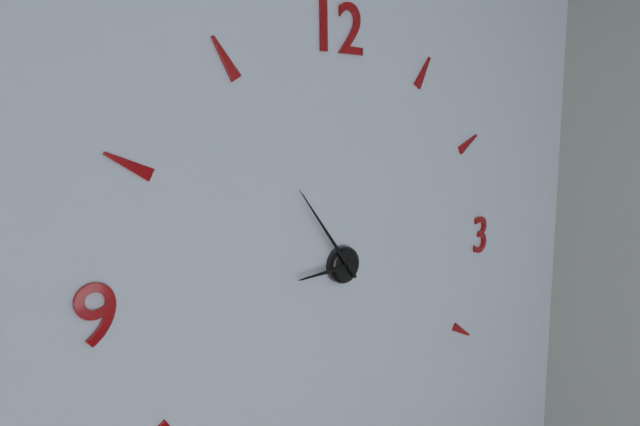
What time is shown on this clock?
8:54
